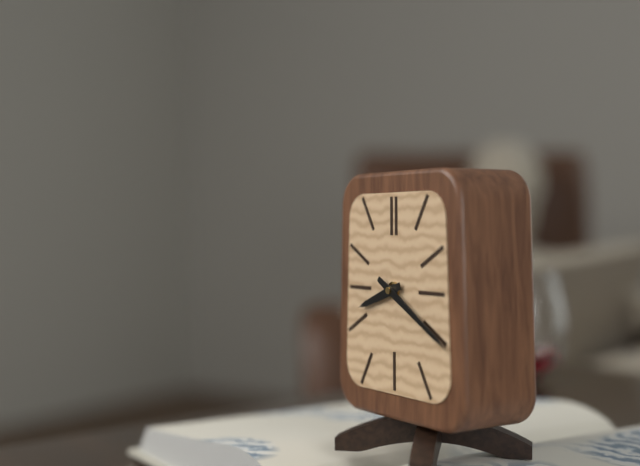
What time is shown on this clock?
8:20
